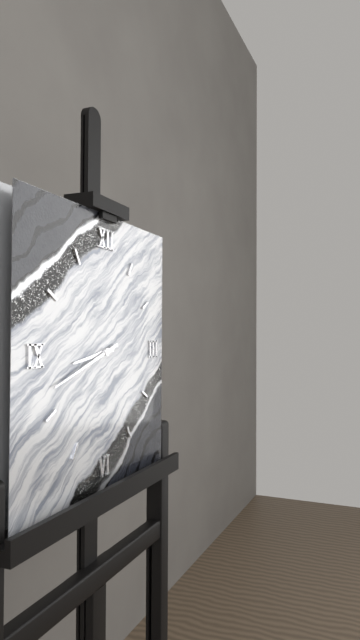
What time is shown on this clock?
8:42
